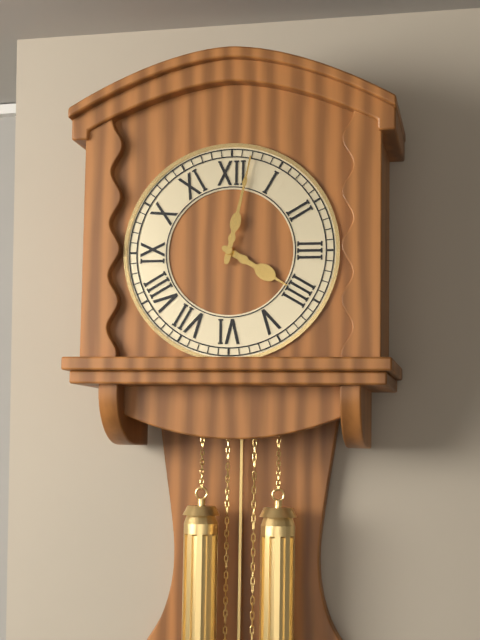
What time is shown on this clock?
4:02
